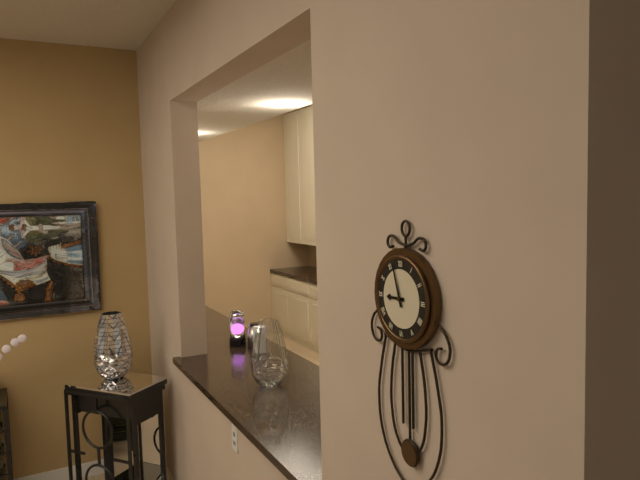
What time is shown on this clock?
8:57
